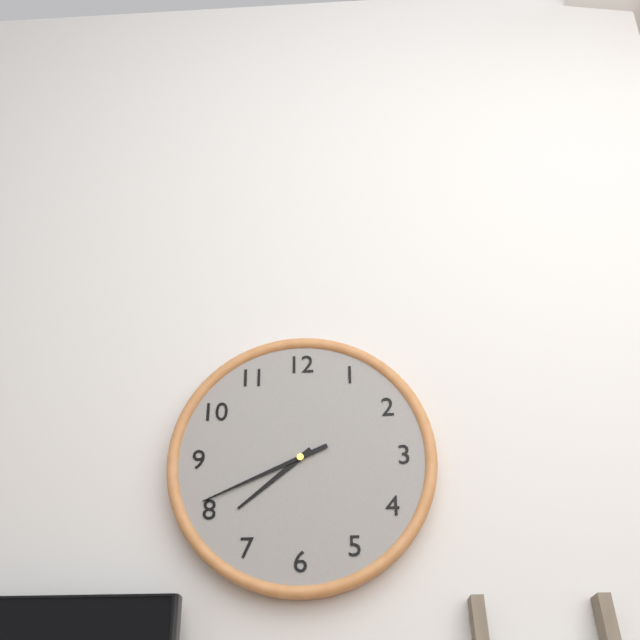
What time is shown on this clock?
7:41
